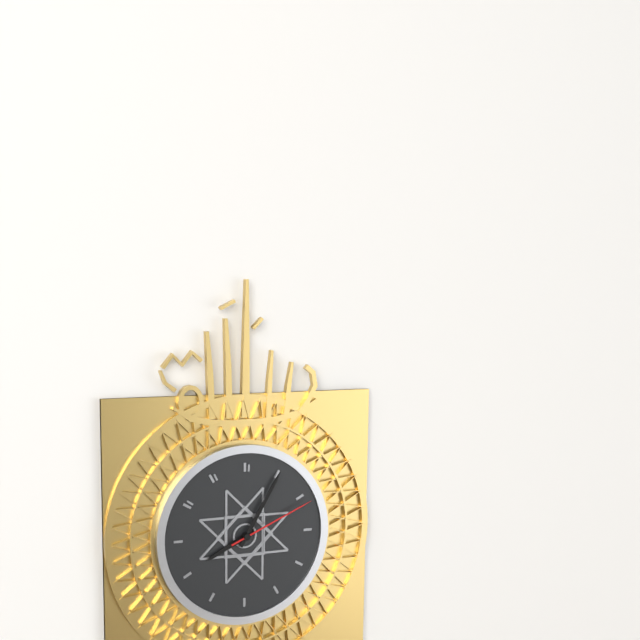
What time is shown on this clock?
8:05:11
